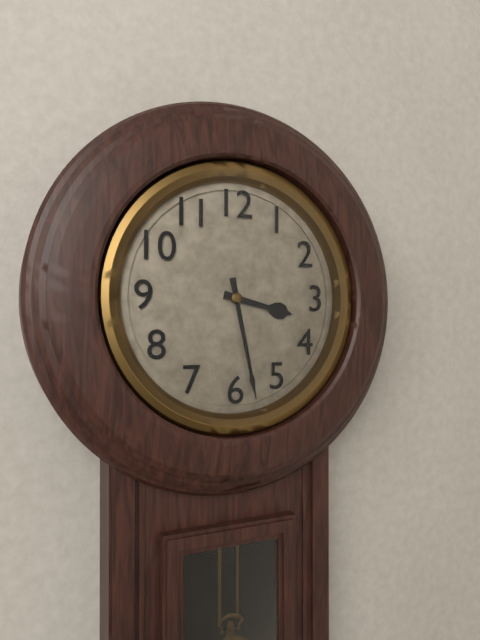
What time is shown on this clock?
3:28
